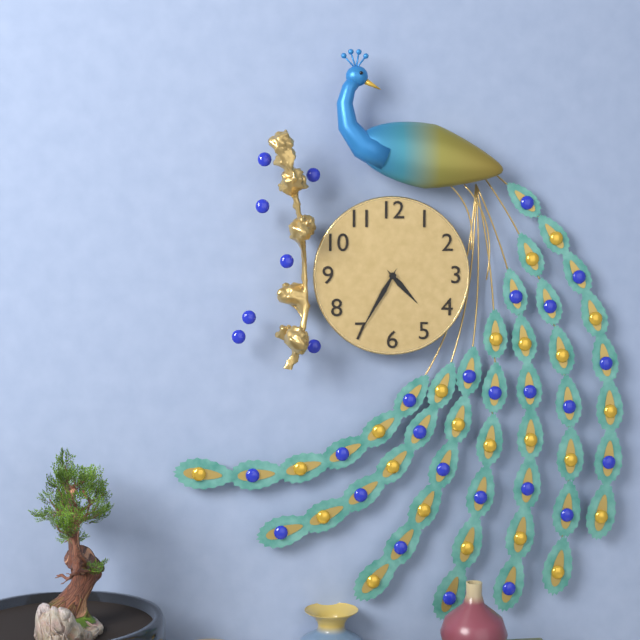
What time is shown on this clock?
4:35
